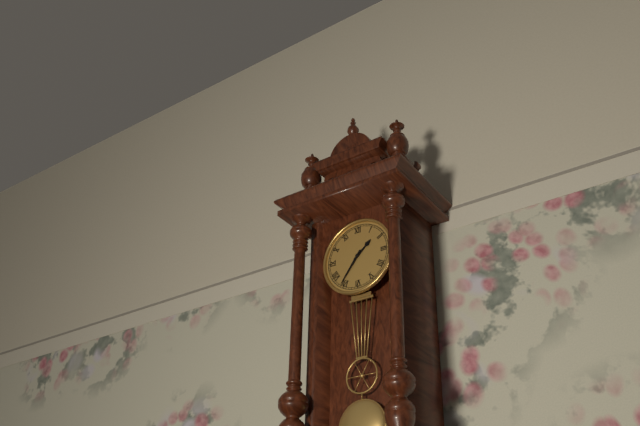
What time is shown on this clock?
1:36
